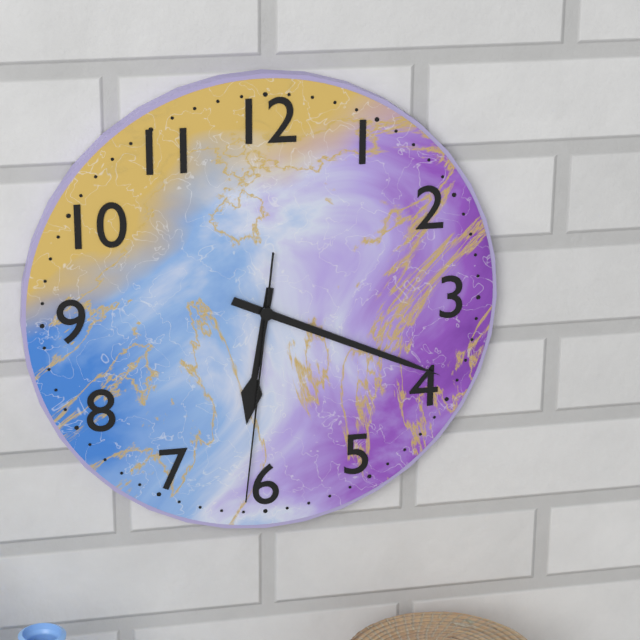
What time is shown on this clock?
6:19:31
